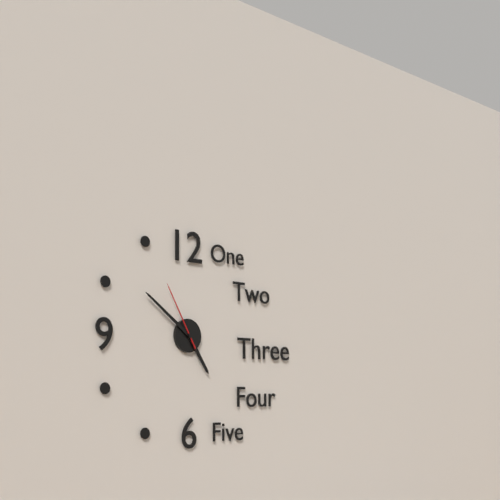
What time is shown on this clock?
4:51:55
